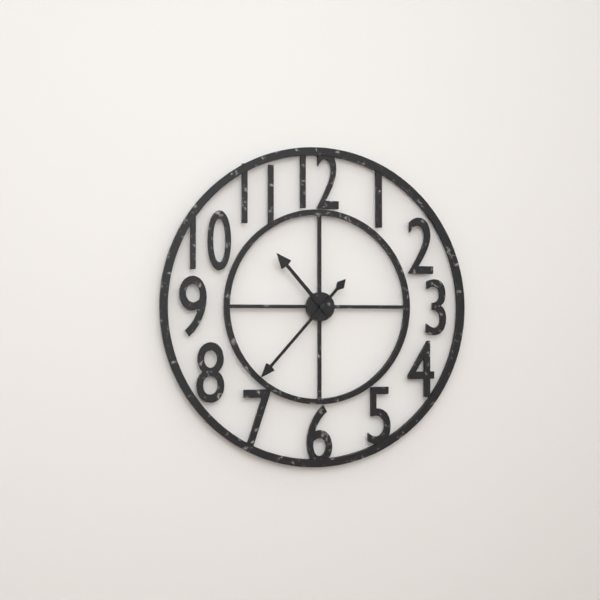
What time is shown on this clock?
10:37
